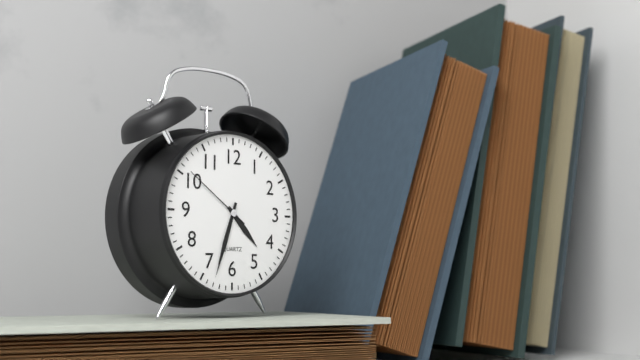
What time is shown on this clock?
4:33:51
